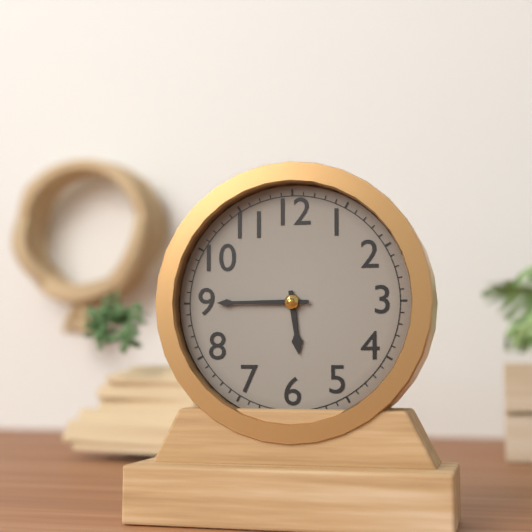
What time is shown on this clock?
5:45
